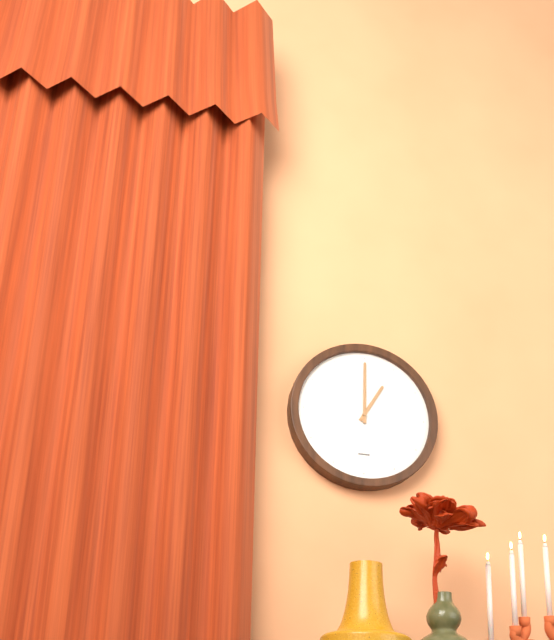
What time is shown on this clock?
1:00
